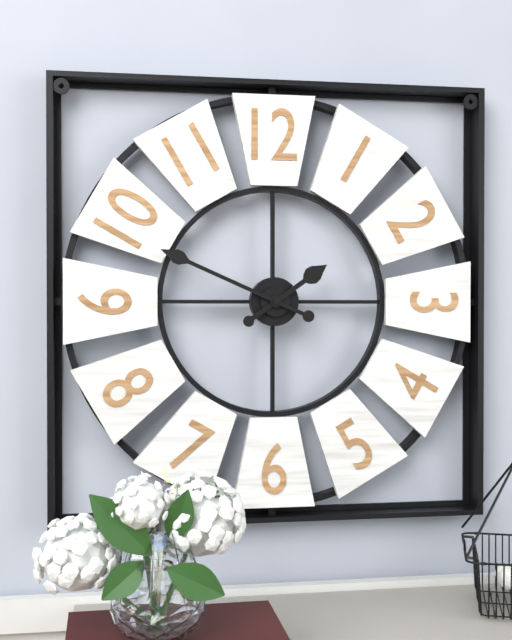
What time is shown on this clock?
1:49
